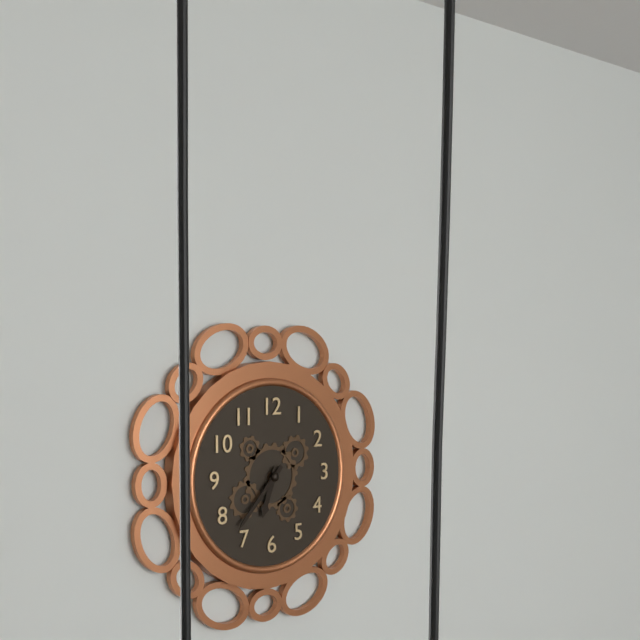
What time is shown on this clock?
6:37
